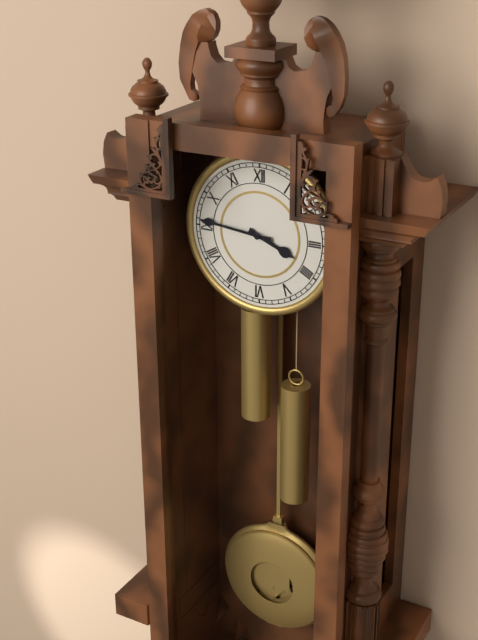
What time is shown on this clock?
3:46
